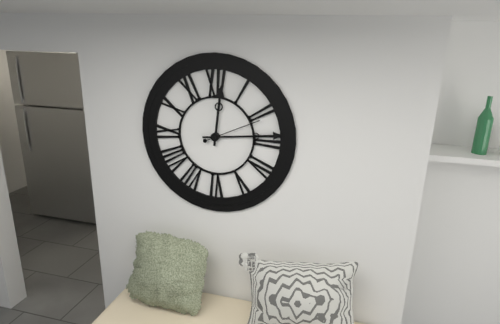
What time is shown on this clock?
12:14:11
